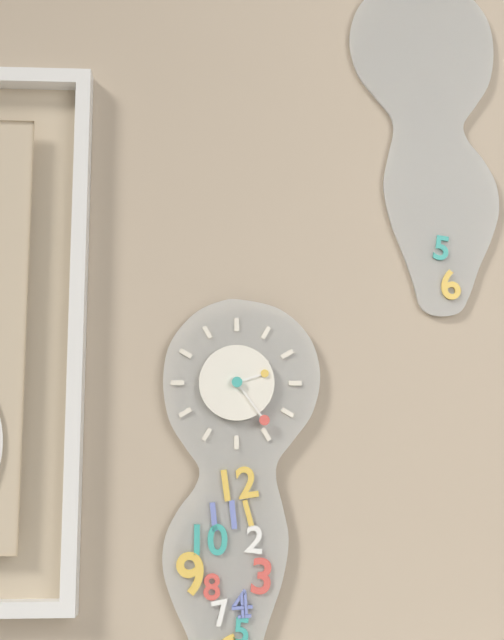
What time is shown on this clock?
2:24
